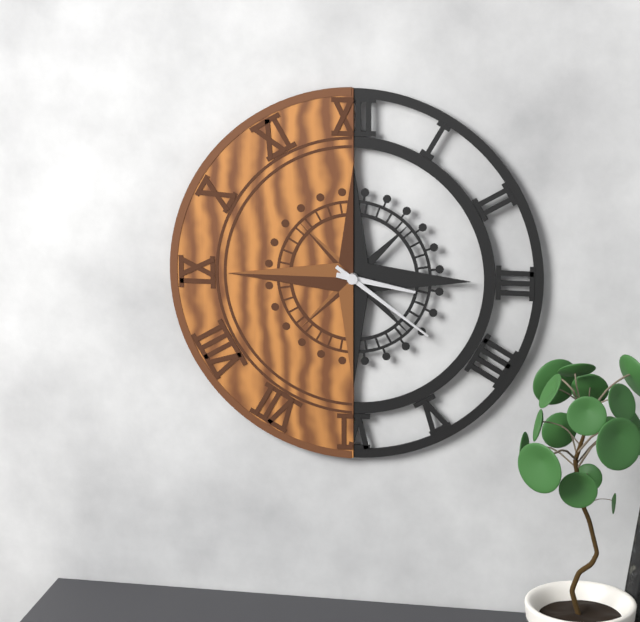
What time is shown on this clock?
3:21
